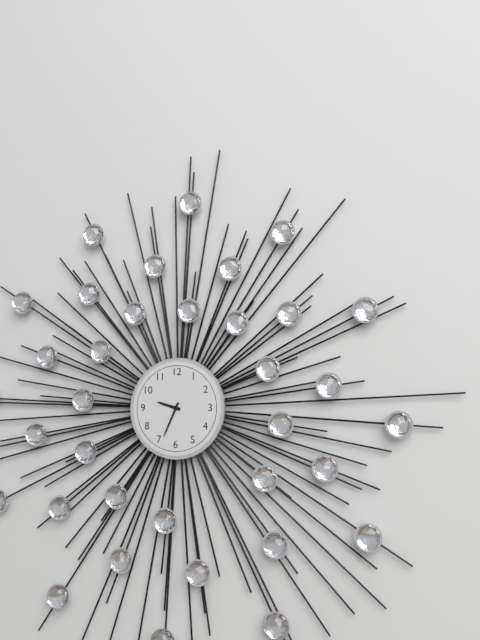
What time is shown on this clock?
9:34
